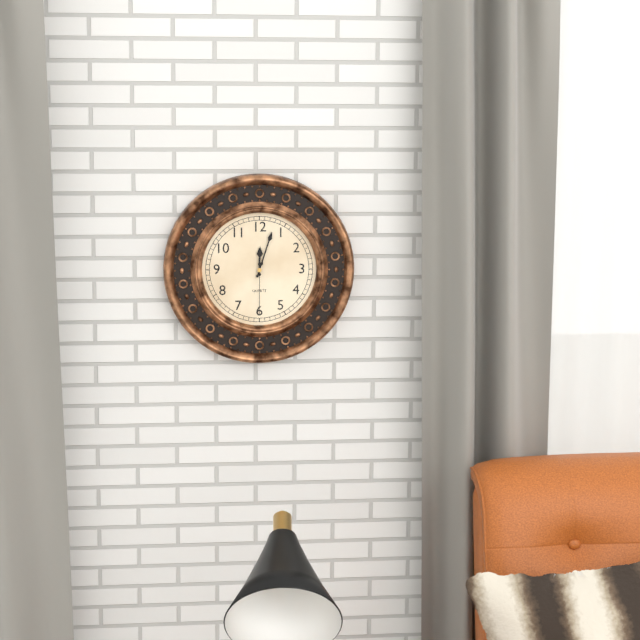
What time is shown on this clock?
12:03:30
